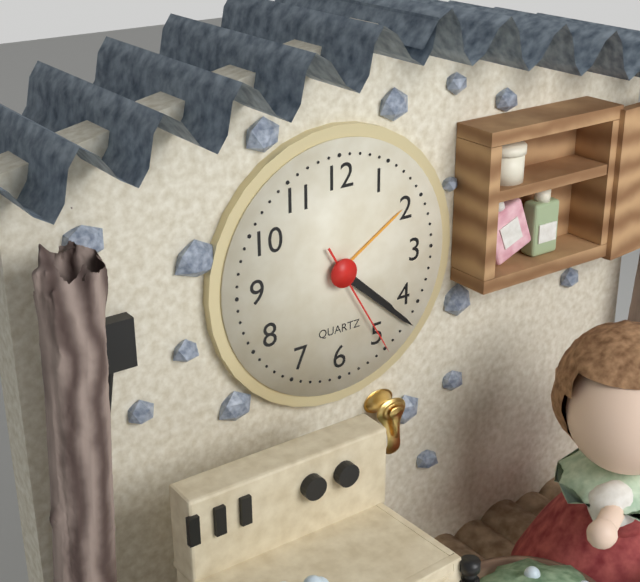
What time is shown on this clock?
4:22:25
